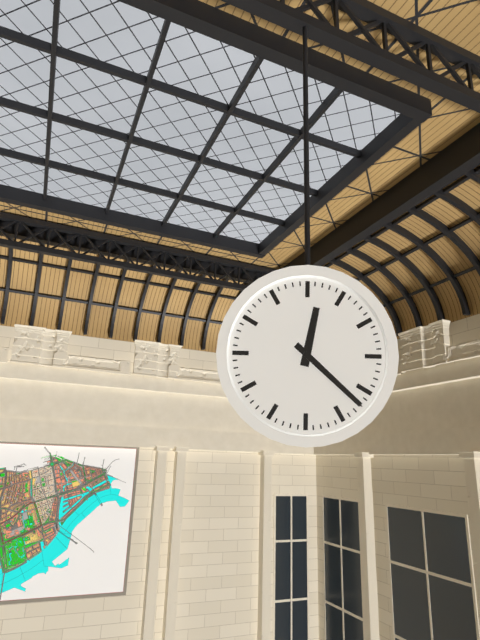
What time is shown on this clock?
12:22
